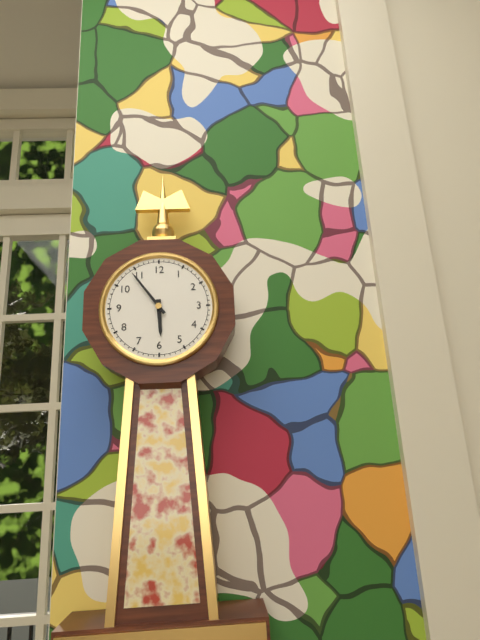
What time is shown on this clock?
5:54
